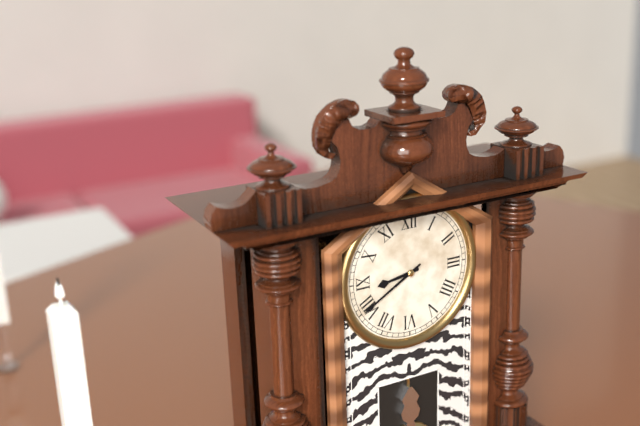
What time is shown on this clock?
8:40
